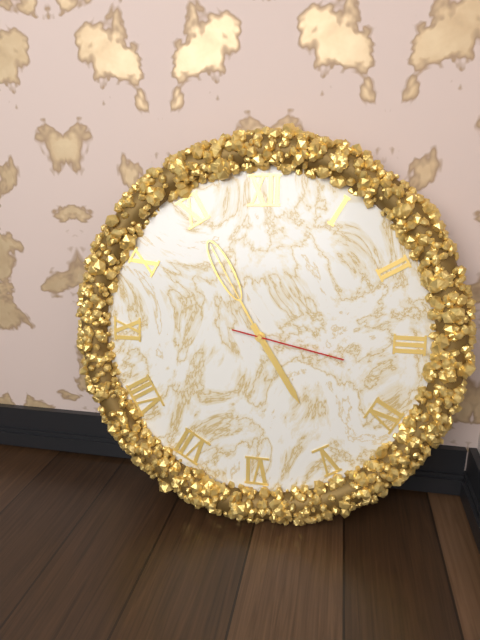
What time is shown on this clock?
4:55:17
